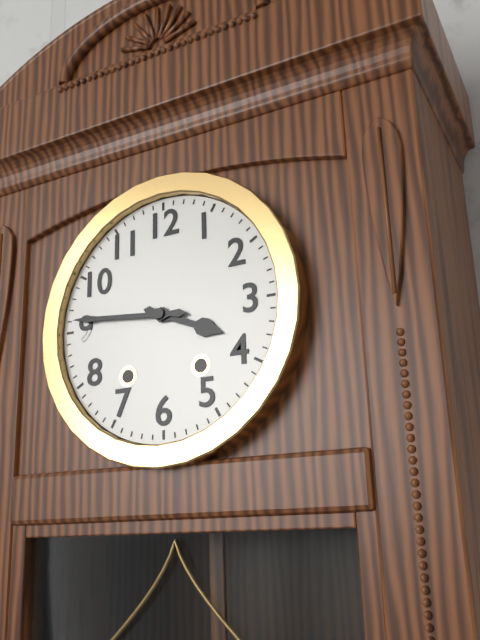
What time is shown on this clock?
3:46
